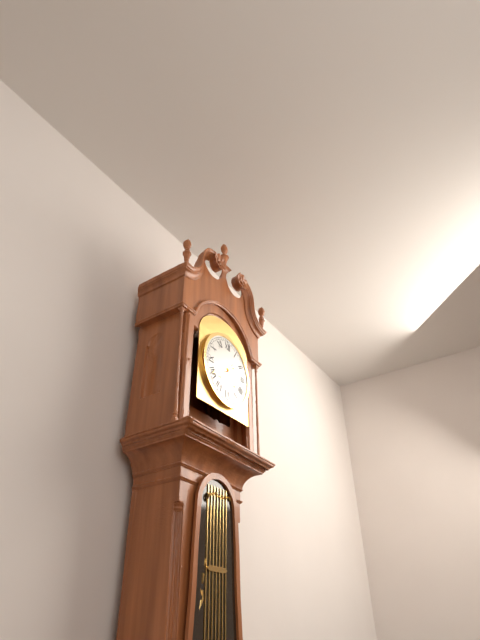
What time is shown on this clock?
1:40
